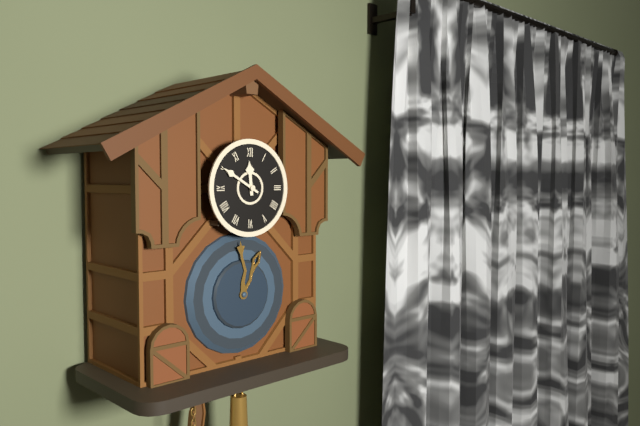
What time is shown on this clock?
11:50
